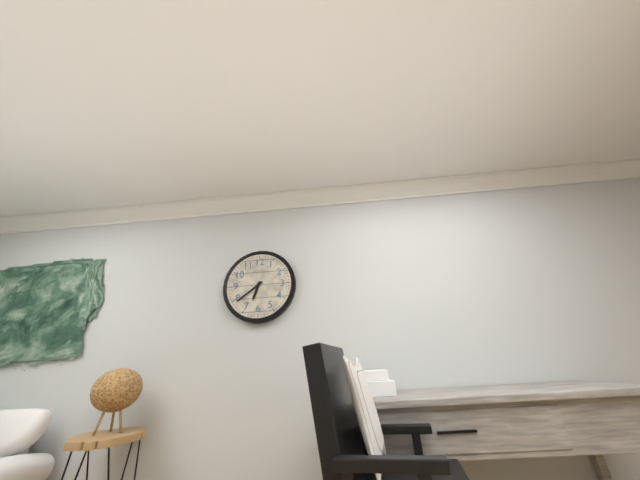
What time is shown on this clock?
6:39
